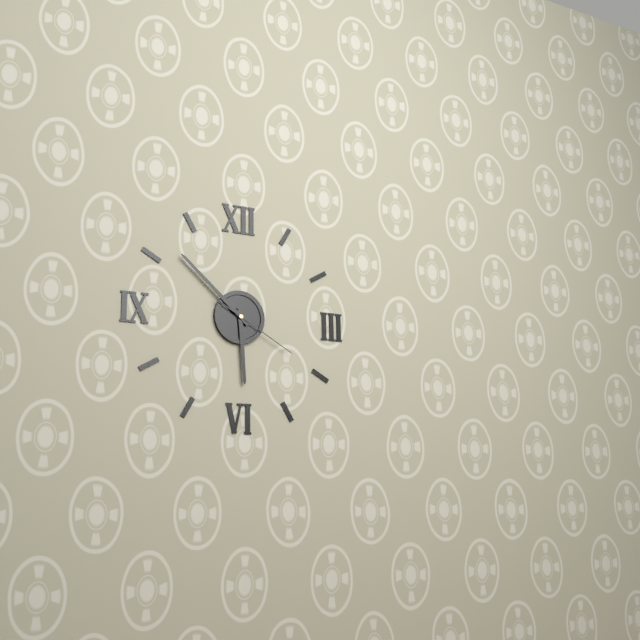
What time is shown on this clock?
5:52:20
